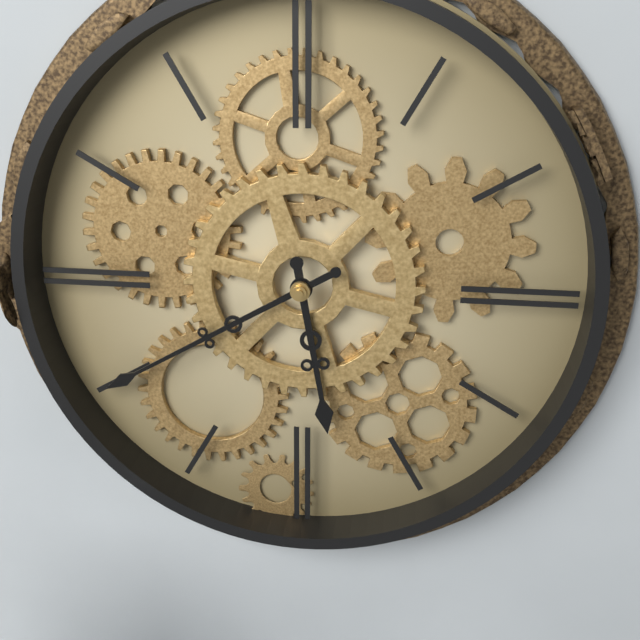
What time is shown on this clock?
5:40
